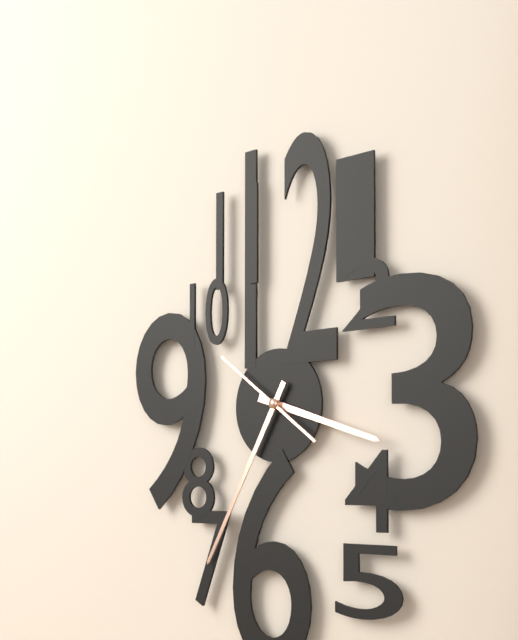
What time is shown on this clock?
3:35:51
